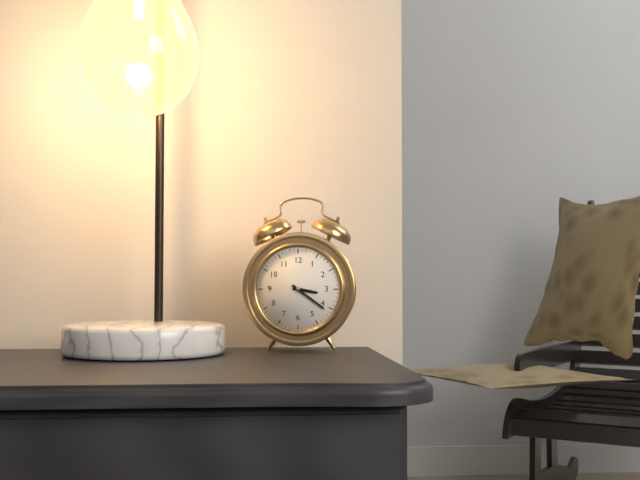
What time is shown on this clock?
3:21
